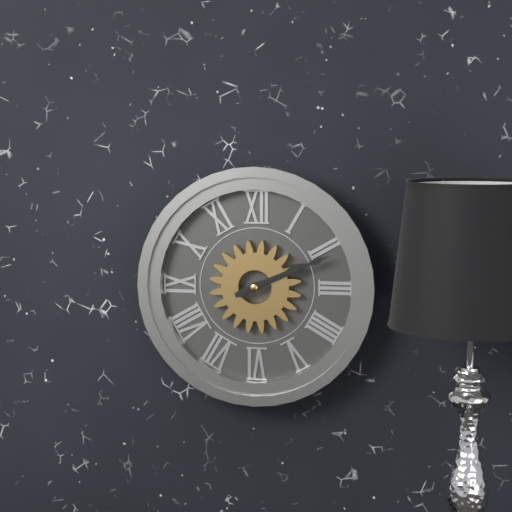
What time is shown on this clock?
2:11
